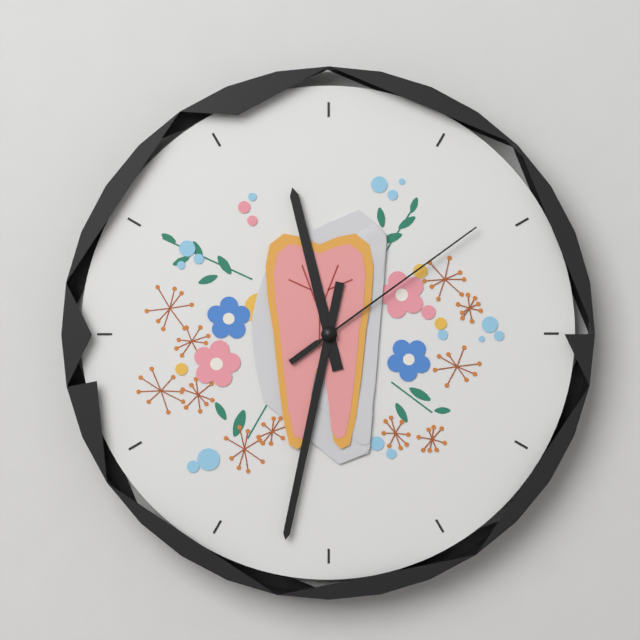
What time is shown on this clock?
11:32:09
